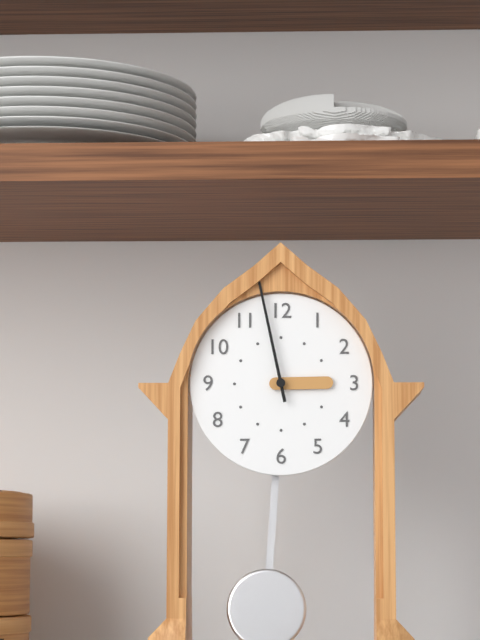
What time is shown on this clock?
2:58
